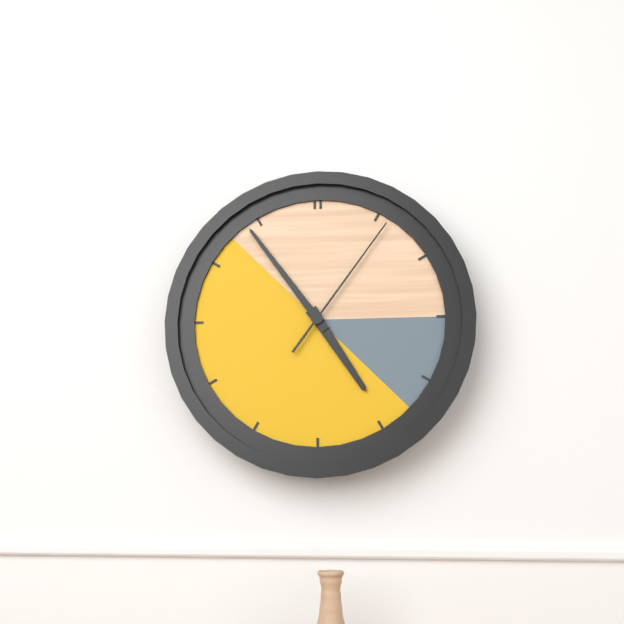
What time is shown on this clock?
4:54:06
